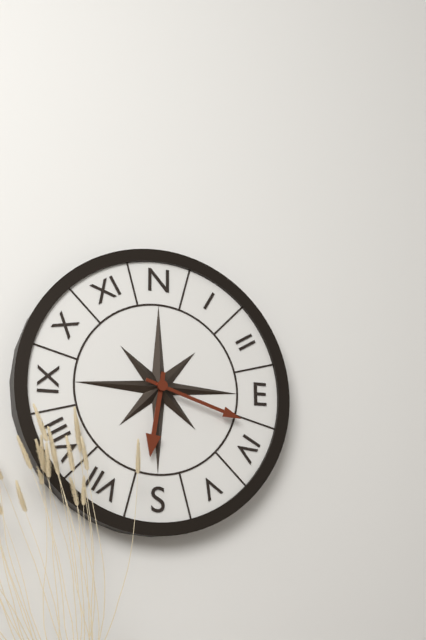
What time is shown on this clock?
6:18
